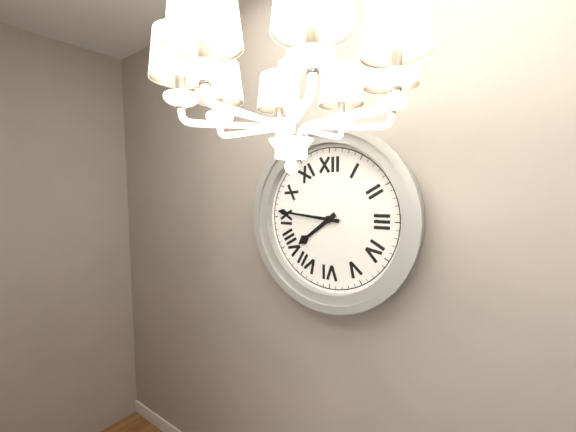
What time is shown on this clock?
7:46
